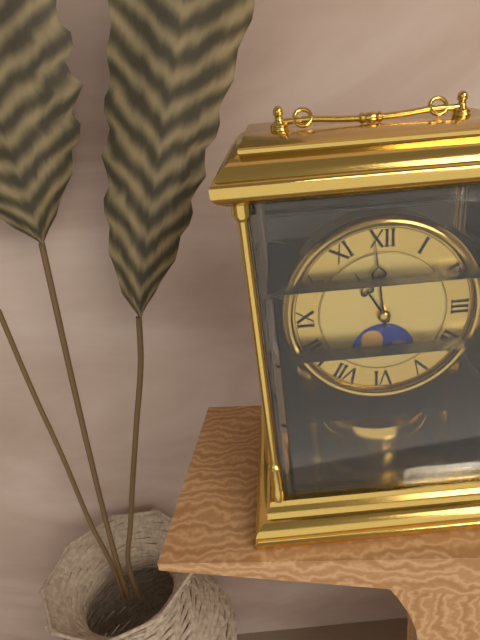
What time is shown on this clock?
10:59
